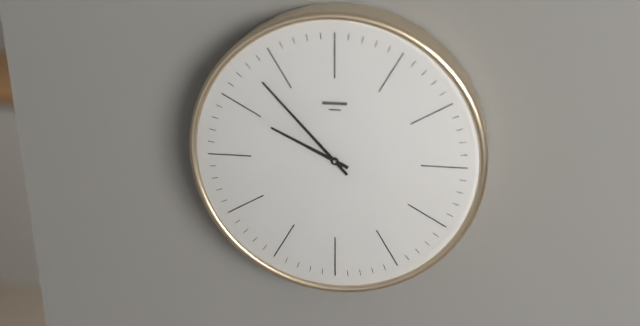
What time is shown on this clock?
9:53
